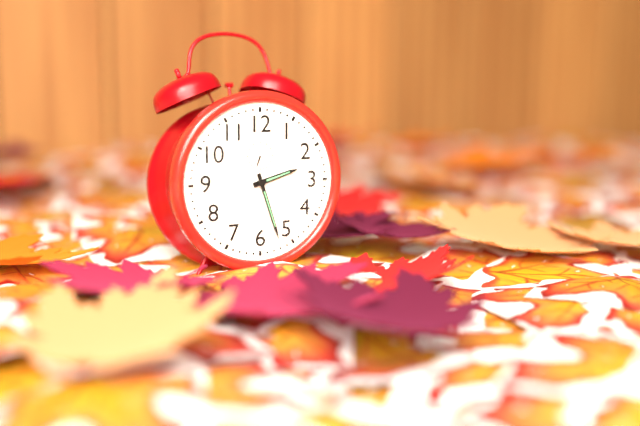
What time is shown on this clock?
2:27
